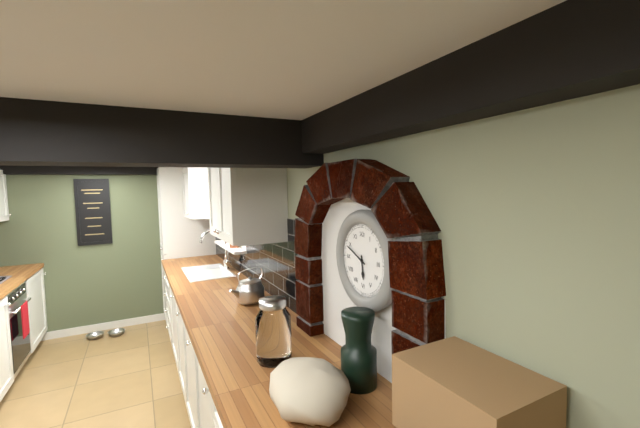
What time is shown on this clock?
5:49
